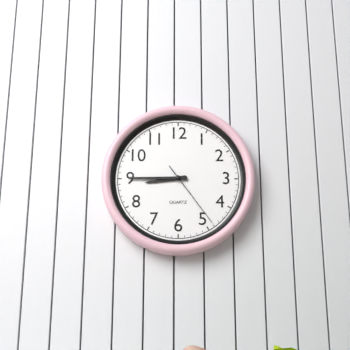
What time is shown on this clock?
8:45:24
